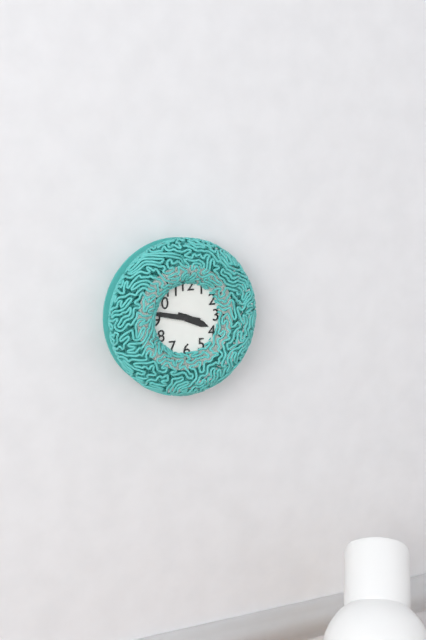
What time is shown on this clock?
3:47
